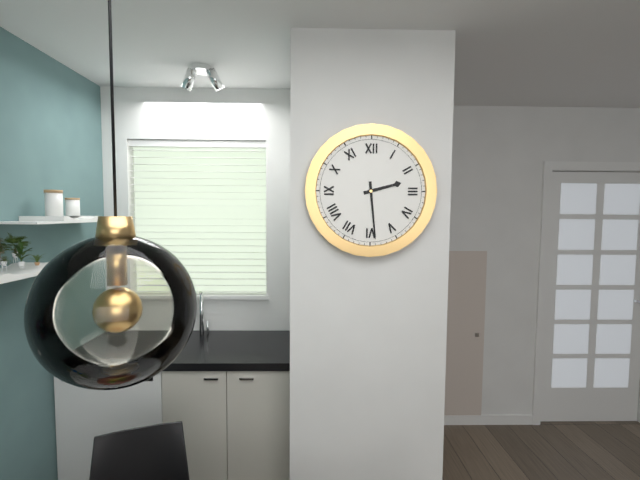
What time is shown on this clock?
2:29
